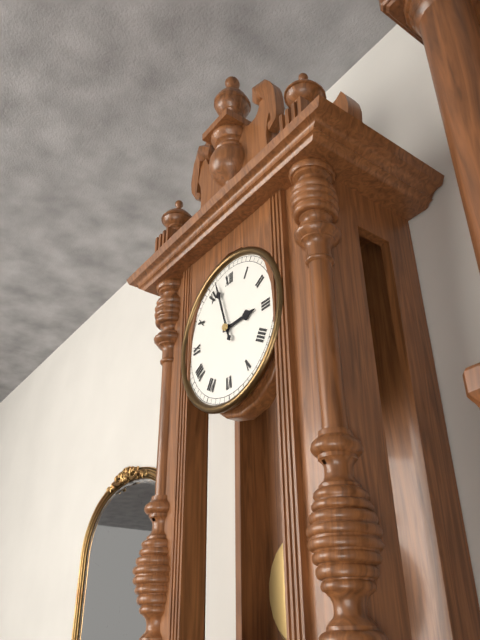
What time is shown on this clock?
2:57
